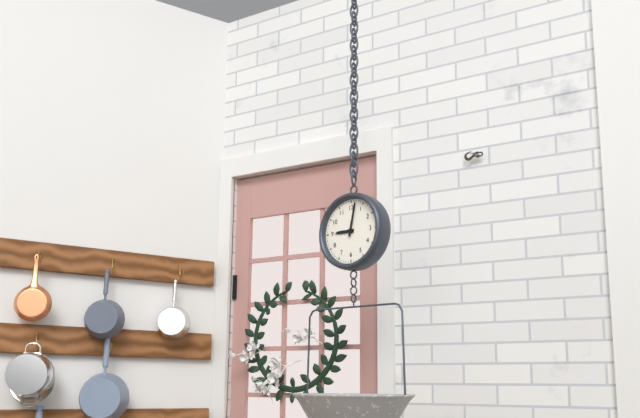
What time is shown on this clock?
9:02
